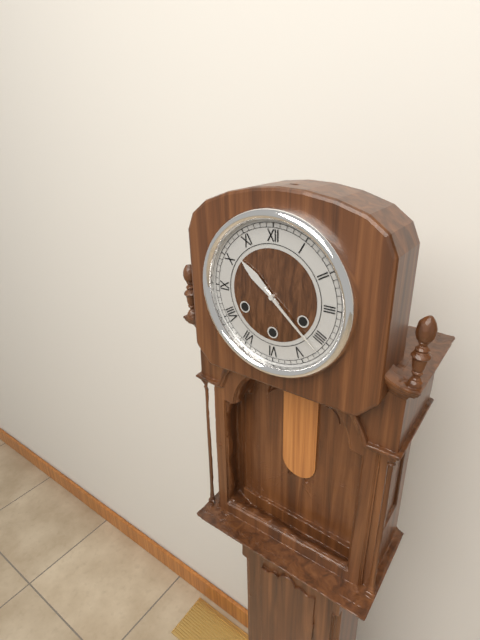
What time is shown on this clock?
10:22
